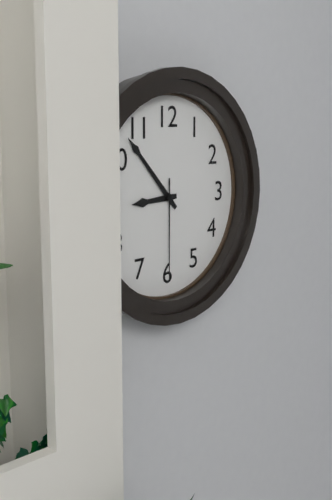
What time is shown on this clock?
8:53:30
